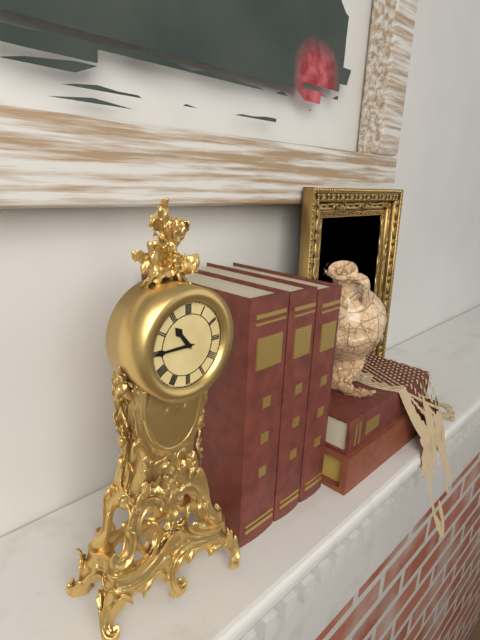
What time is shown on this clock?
10:45
